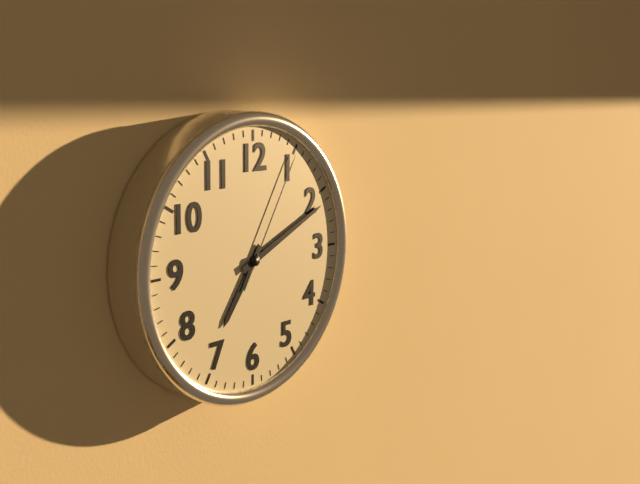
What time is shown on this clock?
7:11:05
